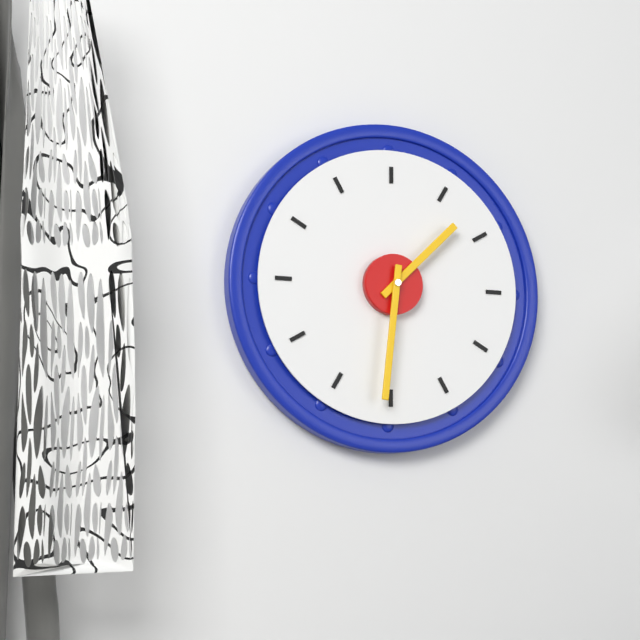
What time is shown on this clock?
1:31
